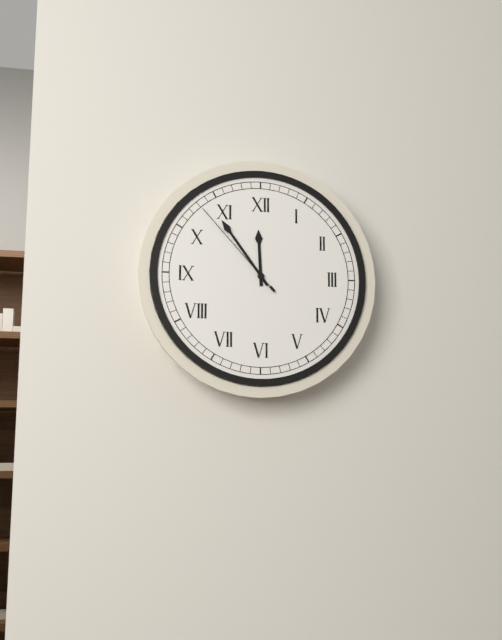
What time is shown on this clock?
11:54:53
